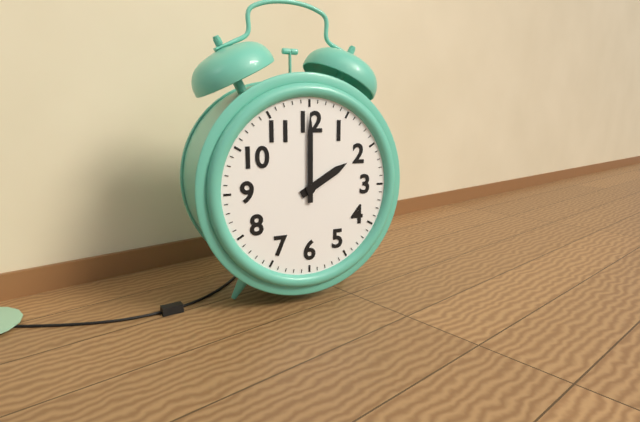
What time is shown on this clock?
2:00
